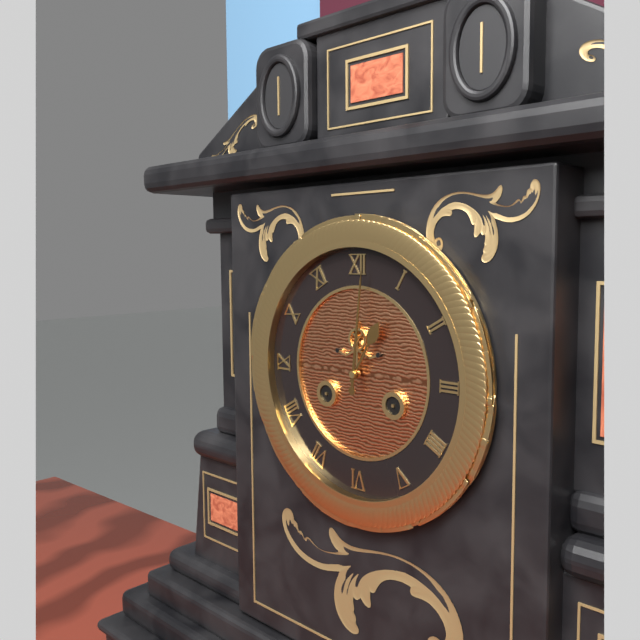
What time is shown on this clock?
1:01
